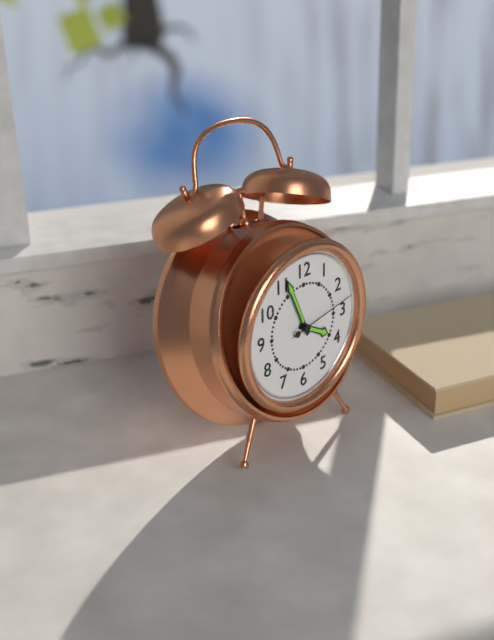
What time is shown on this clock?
3:56:13
